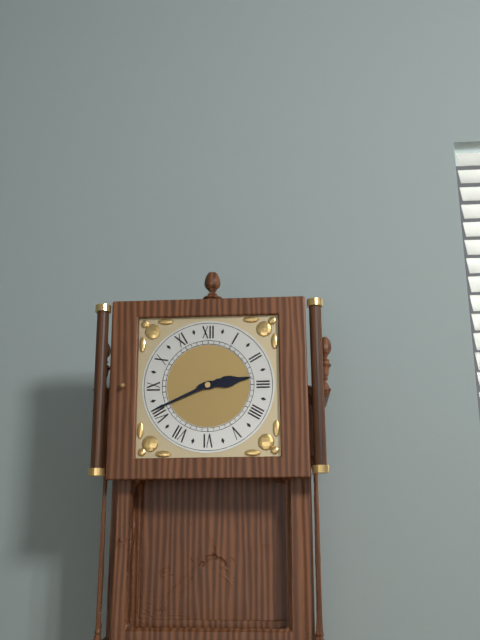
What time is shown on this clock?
2:41
